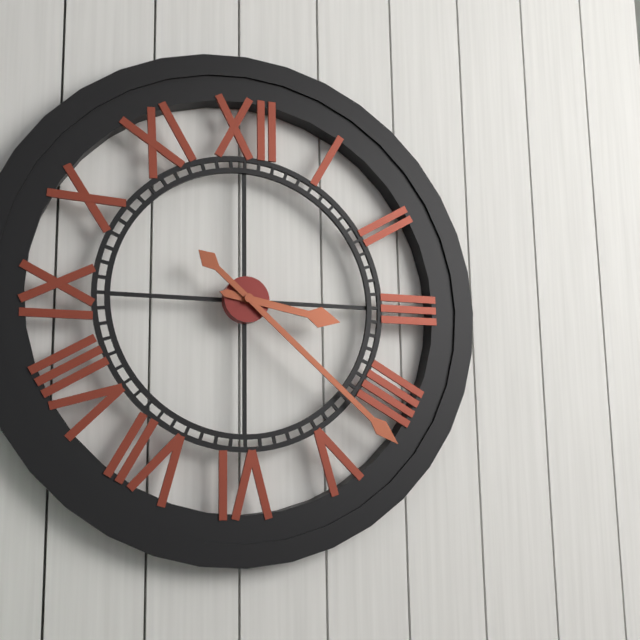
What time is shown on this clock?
3:22
